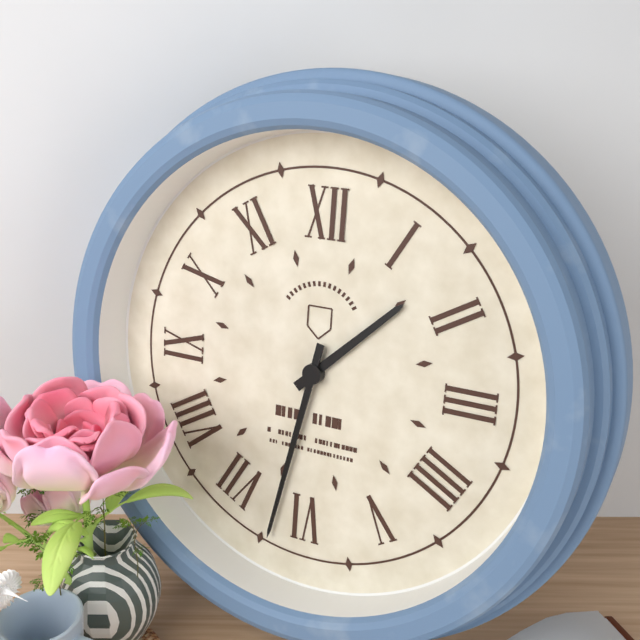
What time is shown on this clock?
1:32
